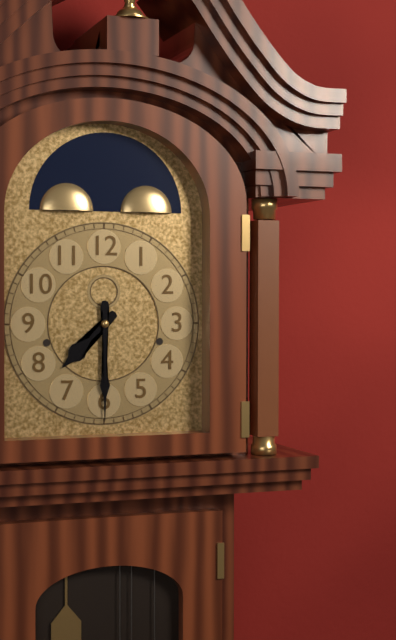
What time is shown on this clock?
7:30
